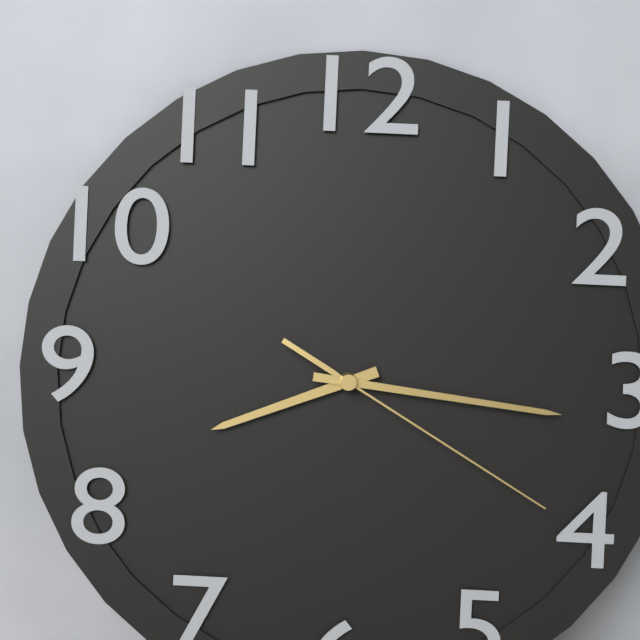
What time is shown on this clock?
8:16:20
